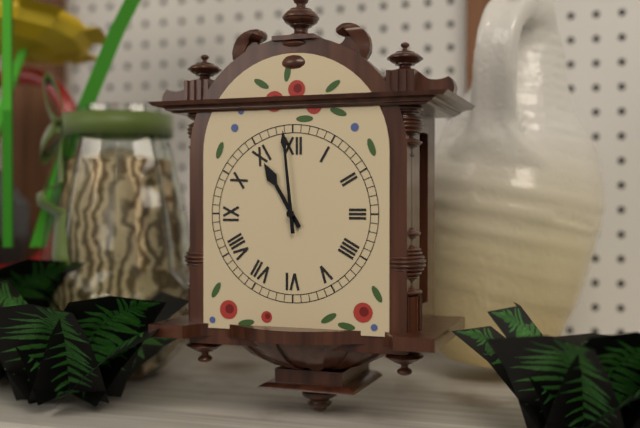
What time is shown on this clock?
10:59
